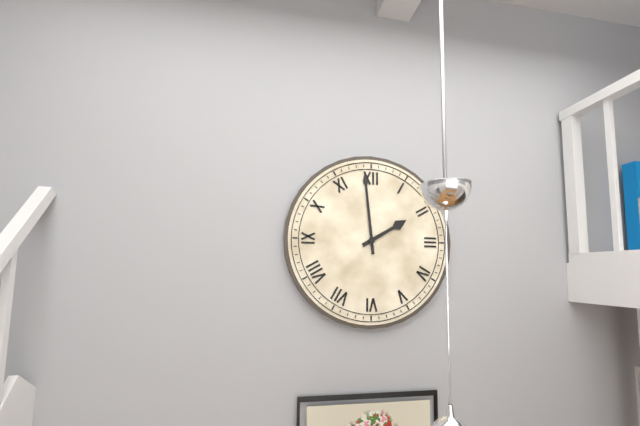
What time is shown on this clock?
1:59
